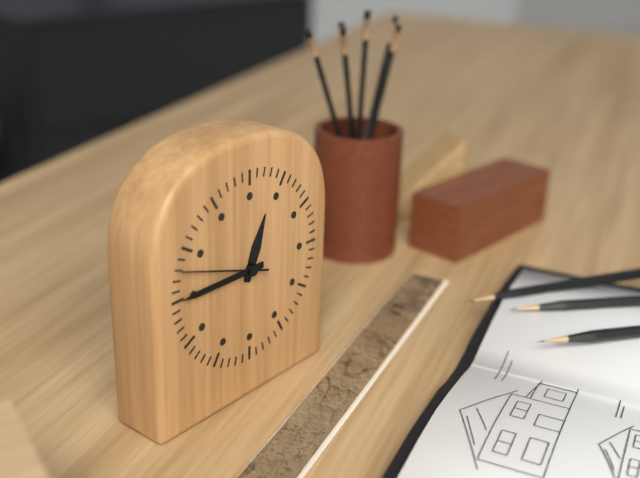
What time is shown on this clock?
12:45:48
